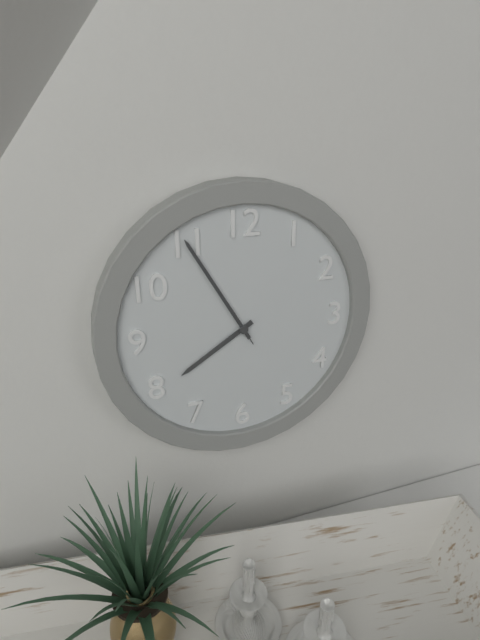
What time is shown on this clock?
7:55:55
